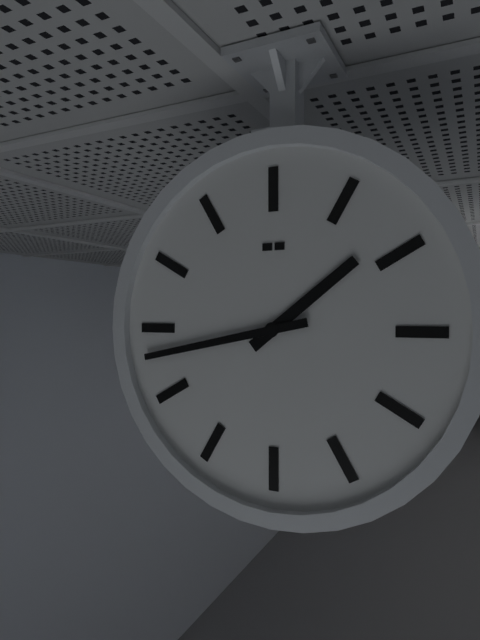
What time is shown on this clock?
1:43
